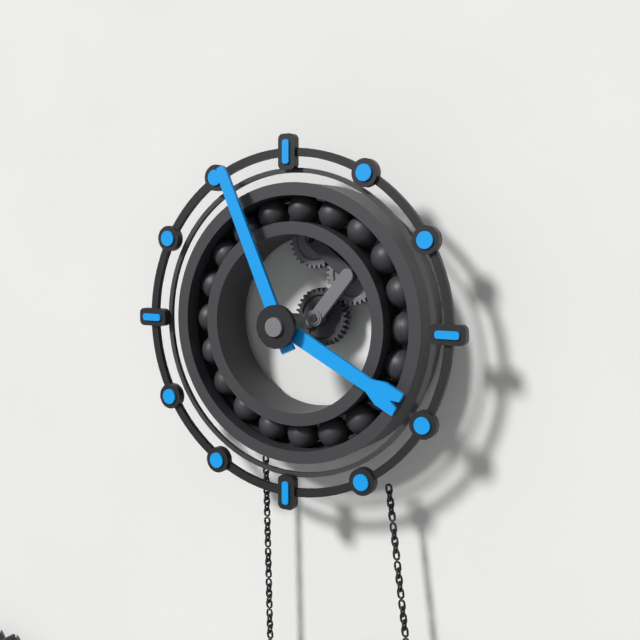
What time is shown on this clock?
3:56
